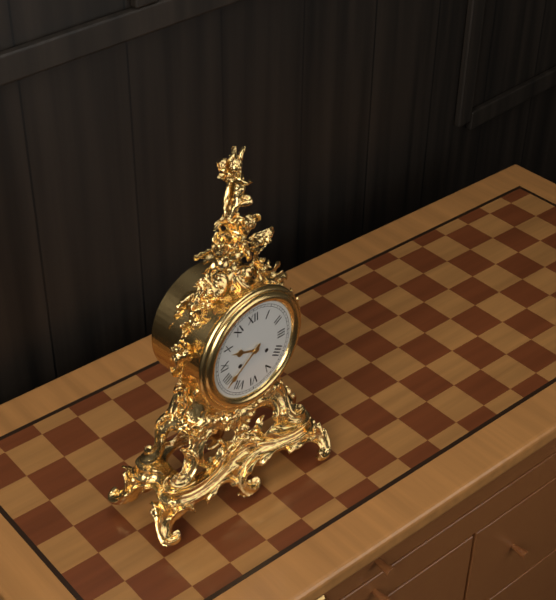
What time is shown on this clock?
9:39
